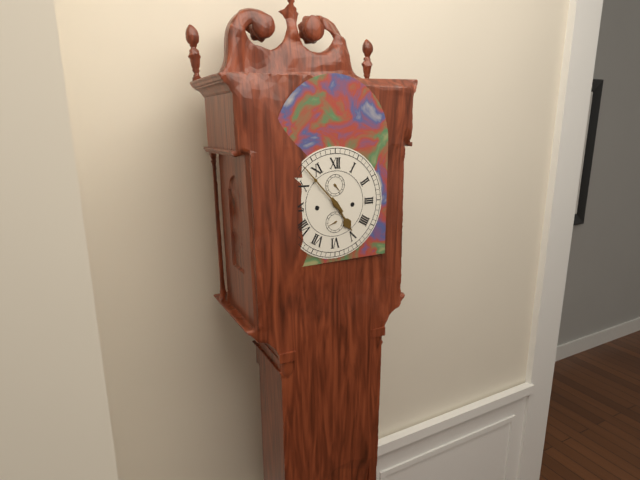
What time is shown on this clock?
4:53
